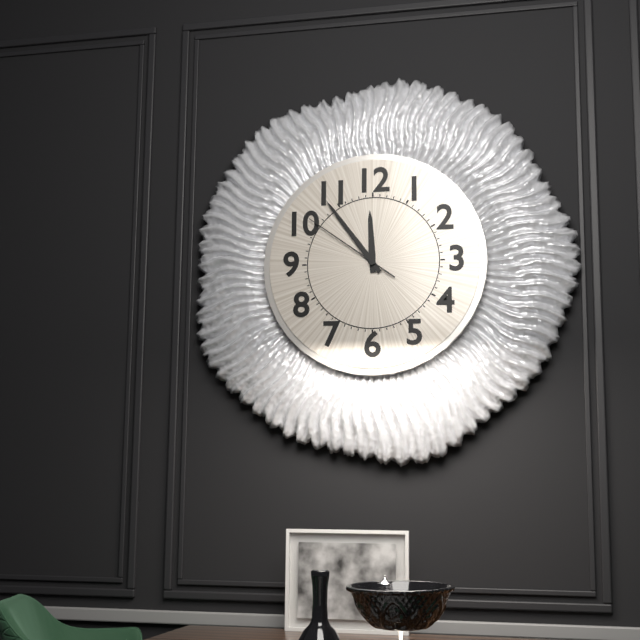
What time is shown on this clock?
11:54:51
